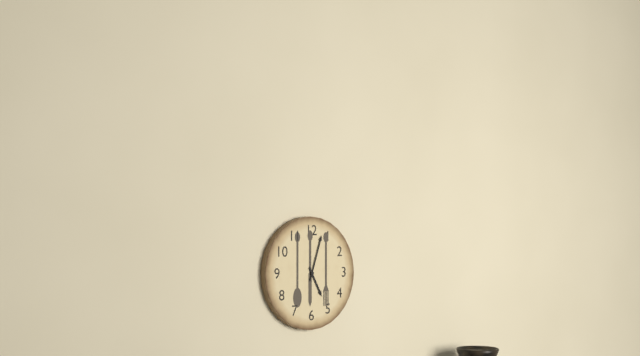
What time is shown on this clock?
5:03
